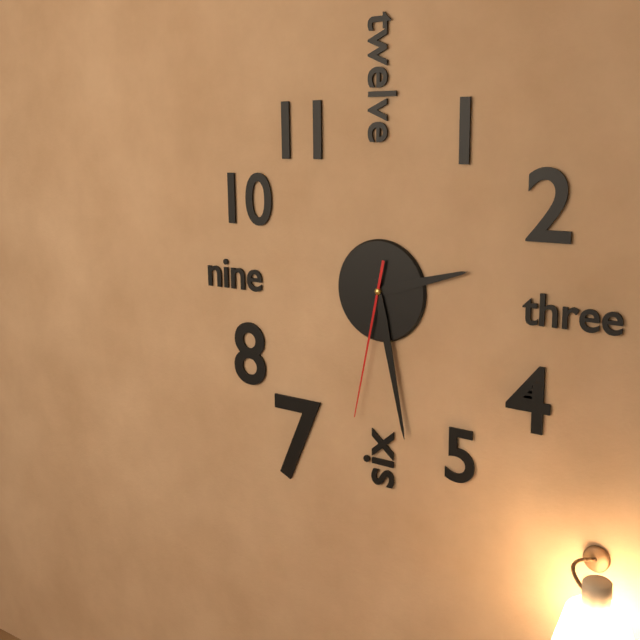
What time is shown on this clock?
2:28:32
